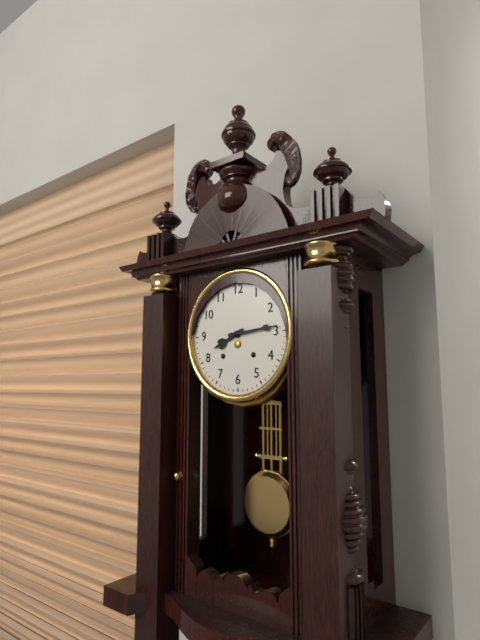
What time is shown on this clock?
8:14
